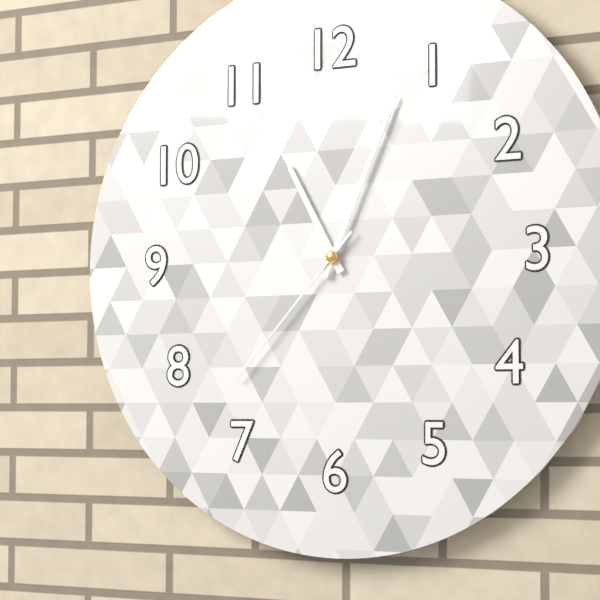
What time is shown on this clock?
11:04:37
